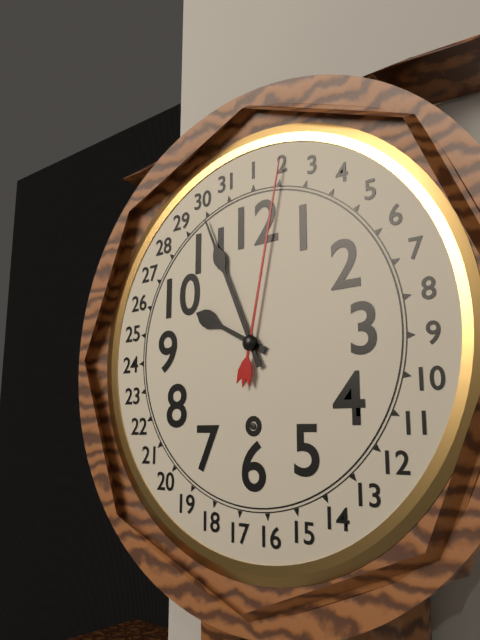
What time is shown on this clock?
9:56
